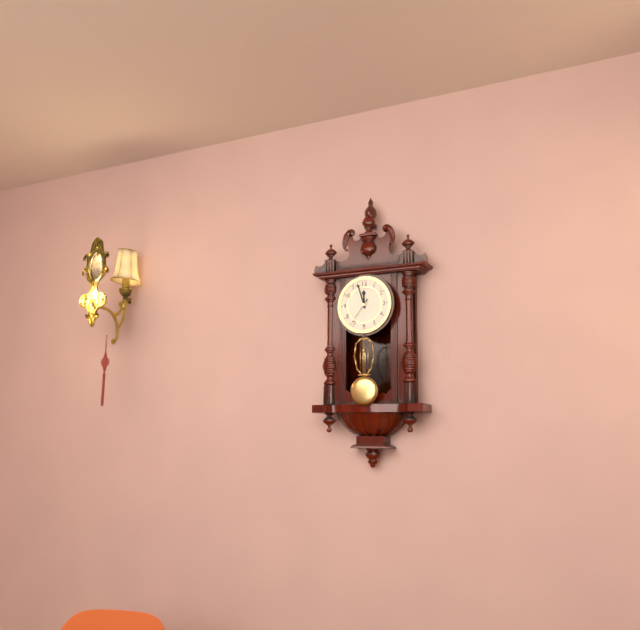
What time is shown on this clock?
11:57
